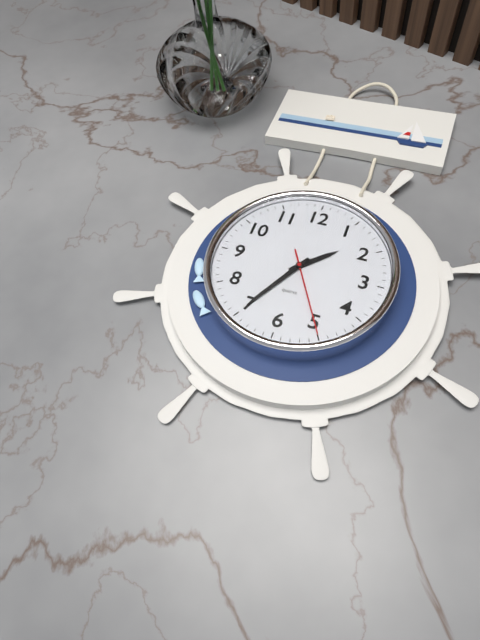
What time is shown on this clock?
1:35:25
